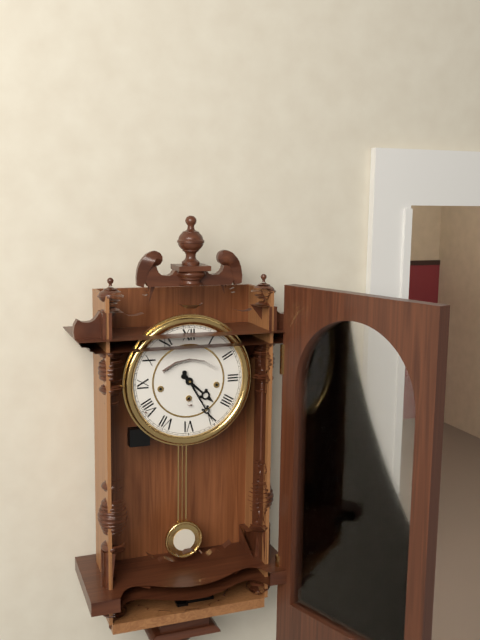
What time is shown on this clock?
4:25
